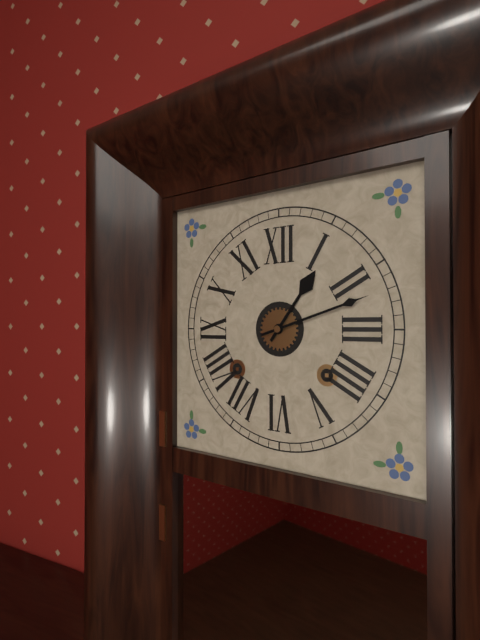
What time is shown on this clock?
1:12
